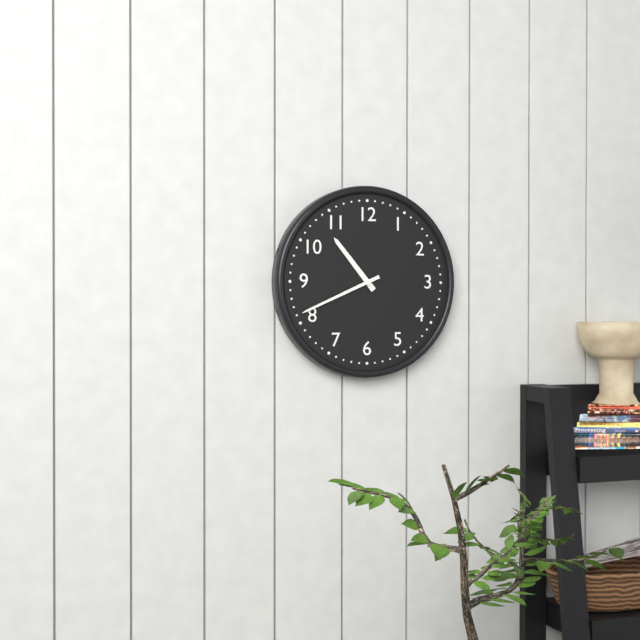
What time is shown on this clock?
10:41
